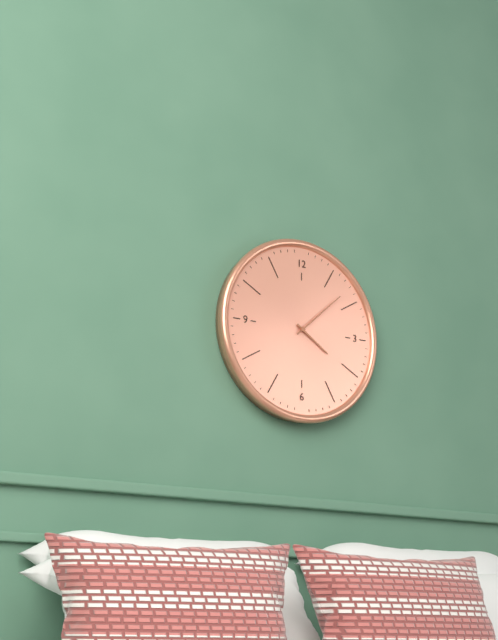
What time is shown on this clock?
4:08
